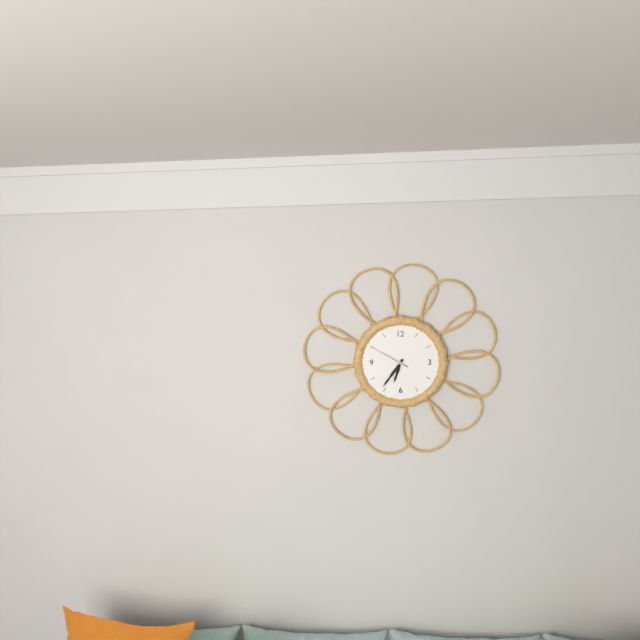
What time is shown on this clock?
6:36
